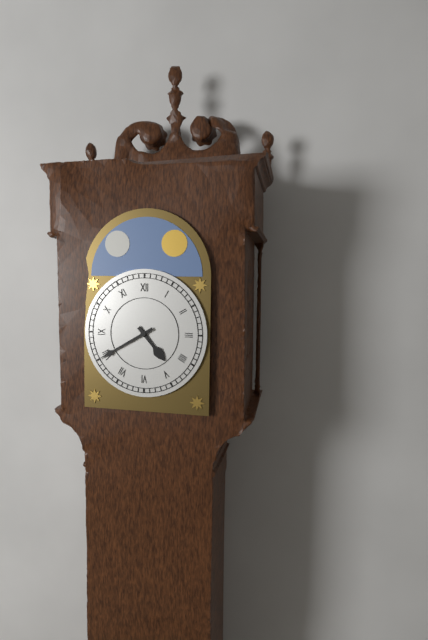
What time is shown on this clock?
4:40
